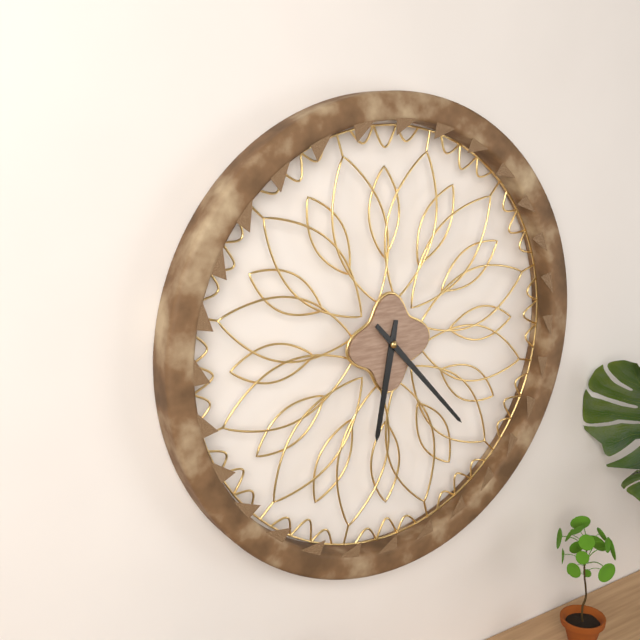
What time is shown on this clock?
6:23
